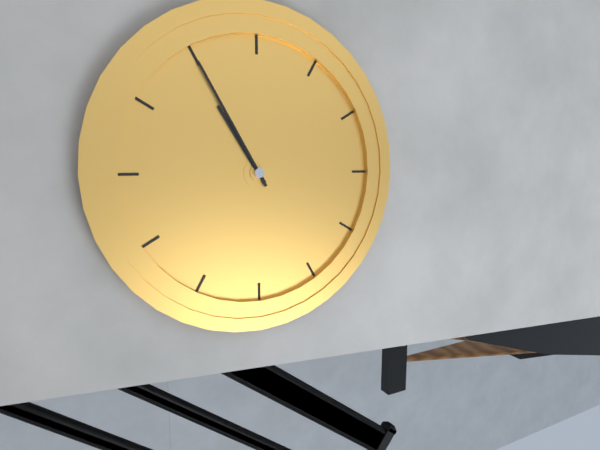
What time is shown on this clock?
10:55
